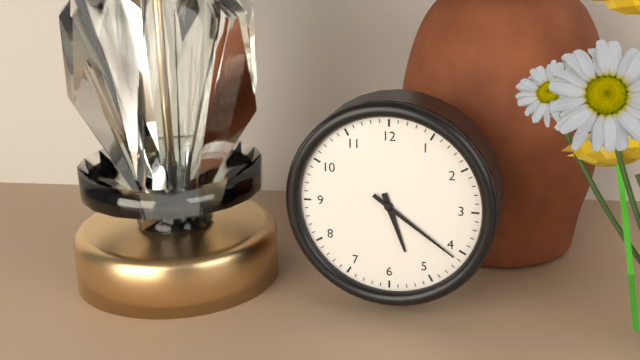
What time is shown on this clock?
5:21
